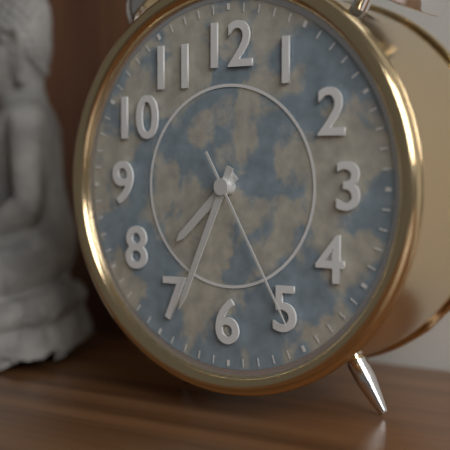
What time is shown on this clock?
7:34:25
